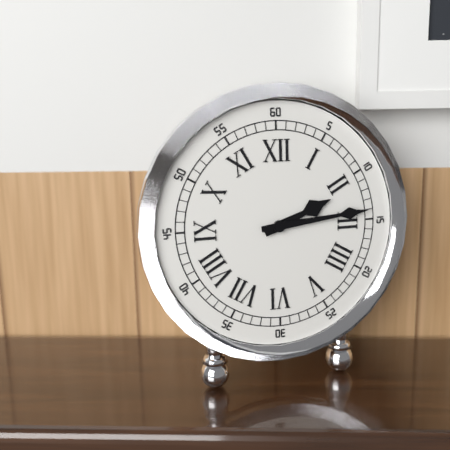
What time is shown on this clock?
2:14
